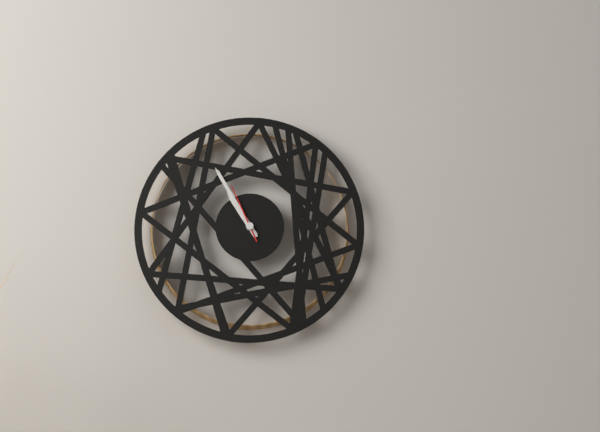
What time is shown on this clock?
10:55:56
